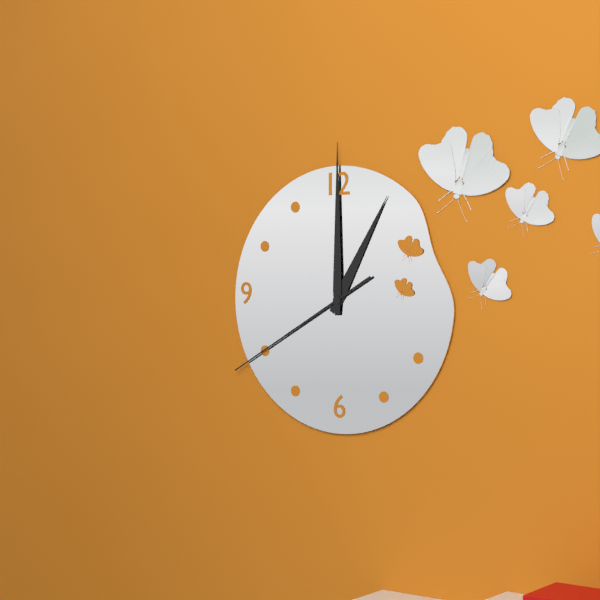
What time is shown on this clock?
1:00:40
